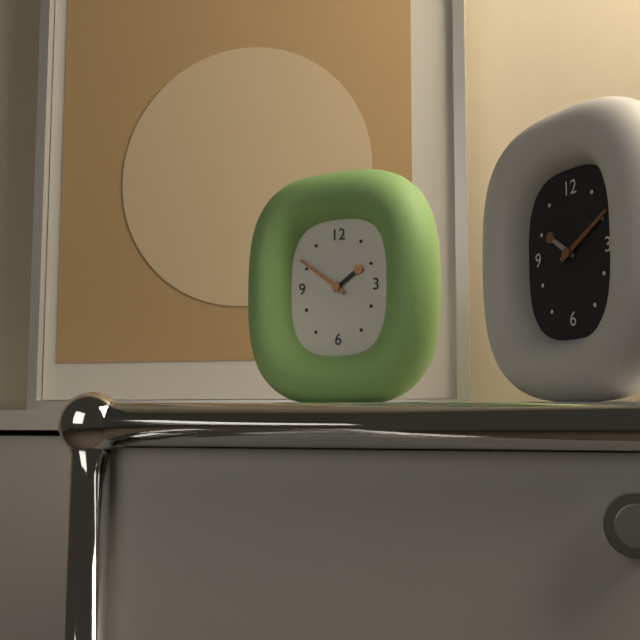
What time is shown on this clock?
1:51
